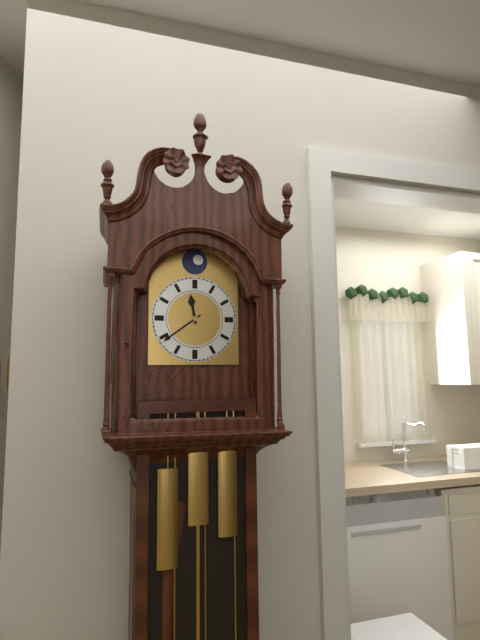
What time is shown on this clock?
11:39
